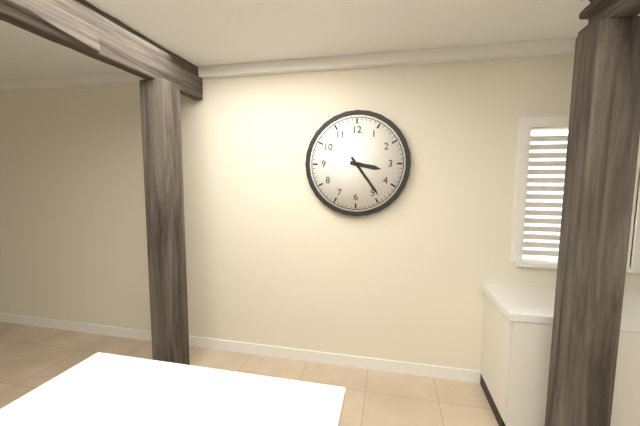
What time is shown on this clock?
3:24
